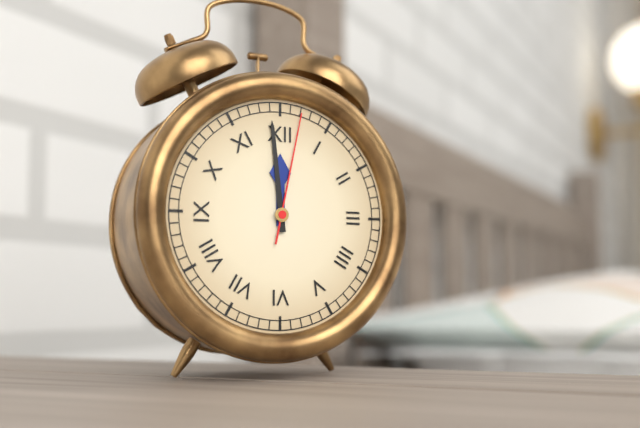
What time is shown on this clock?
11:59:02
